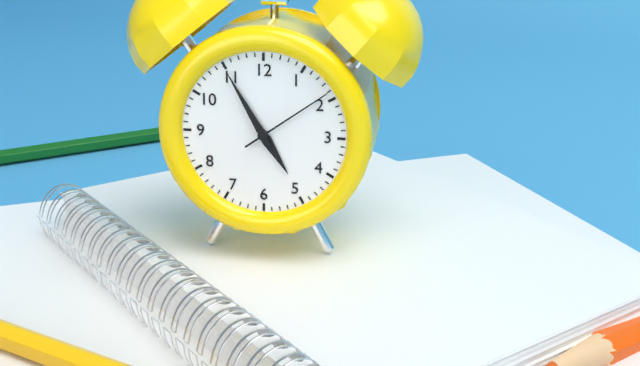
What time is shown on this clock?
4:55:09
